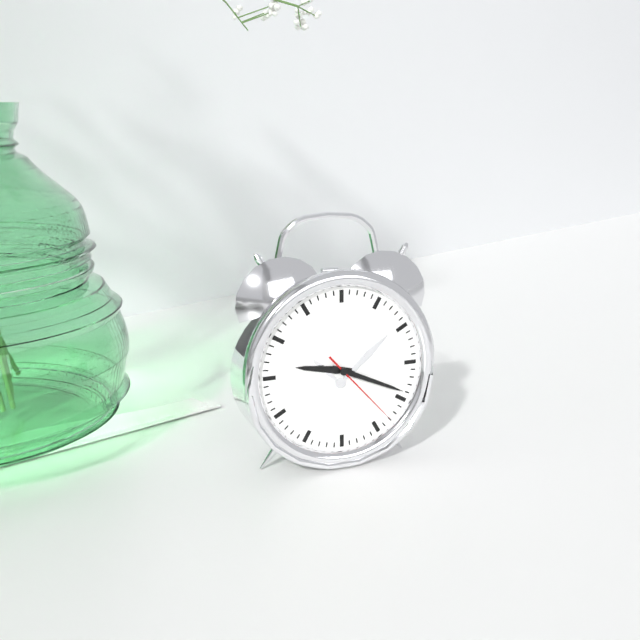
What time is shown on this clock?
9:19:23
